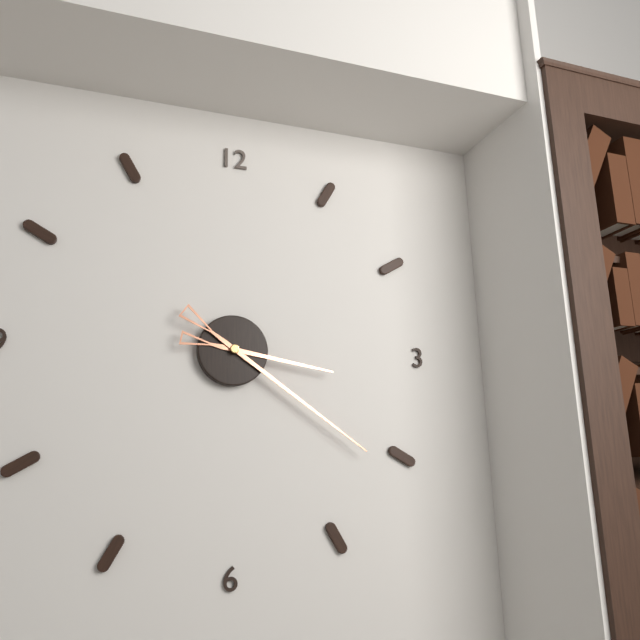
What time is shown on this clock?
3:21
